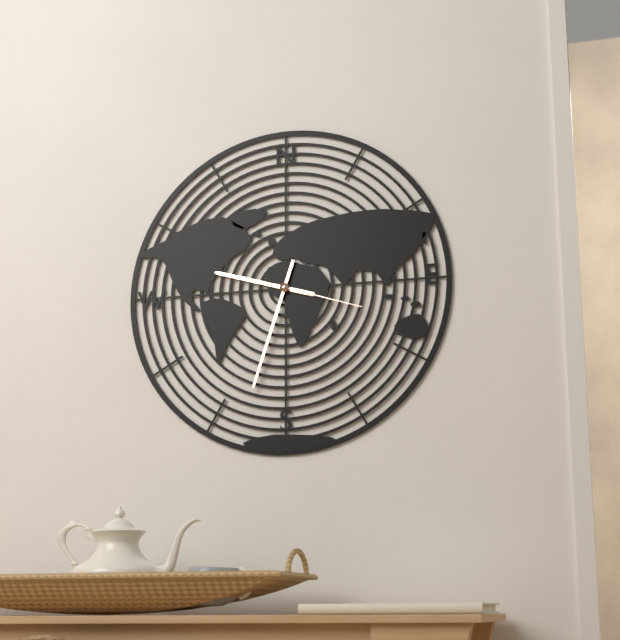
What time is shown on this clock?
9:33:18
